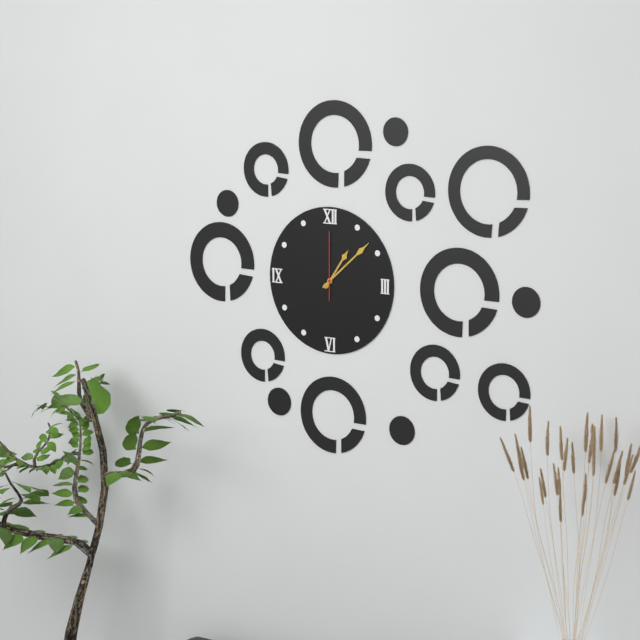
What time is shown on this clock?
1:08:00
